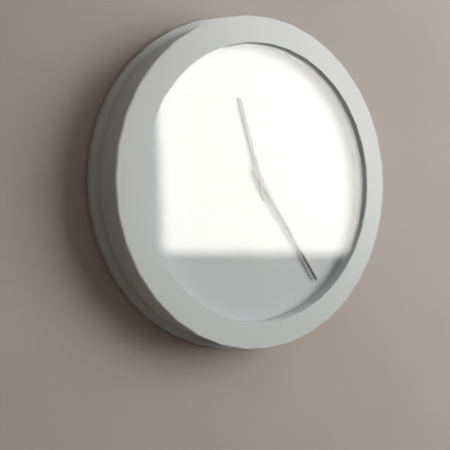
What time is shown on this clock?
11:24
